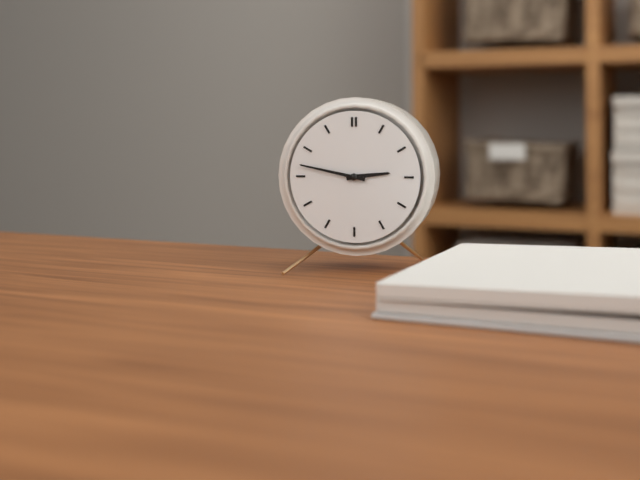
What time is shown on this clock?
2:47
